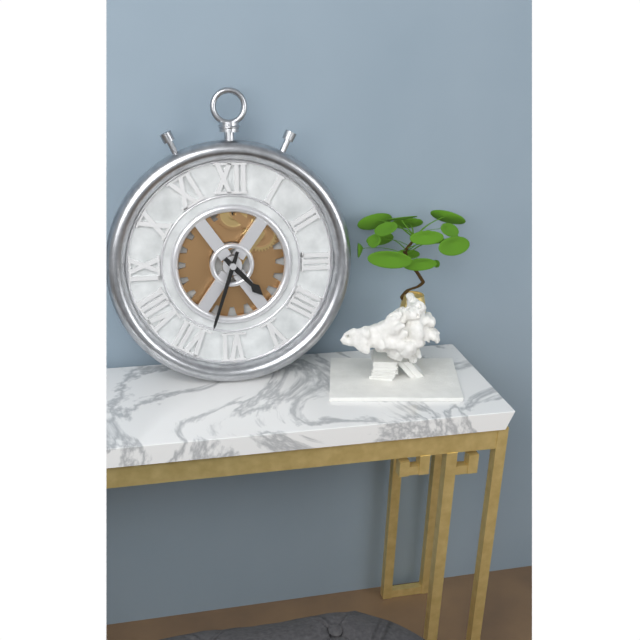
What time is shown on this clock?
4:33
